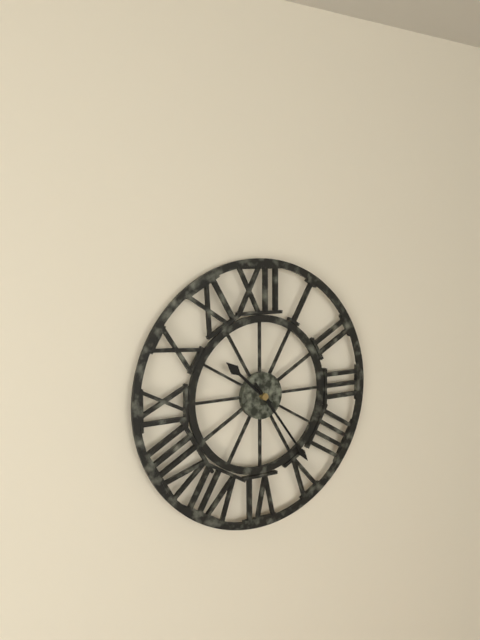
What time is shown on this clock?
10:24
